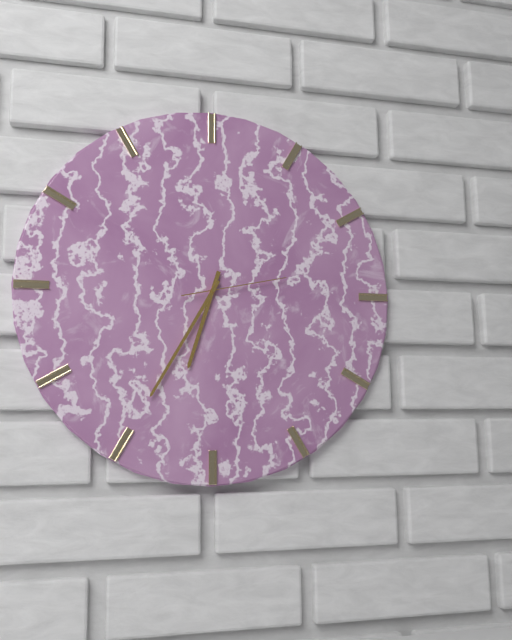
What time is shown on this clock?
6:35:13
